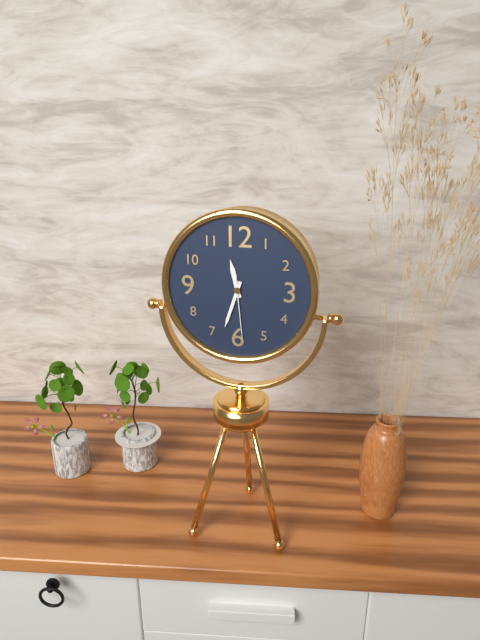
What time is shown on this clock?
11:33:29
